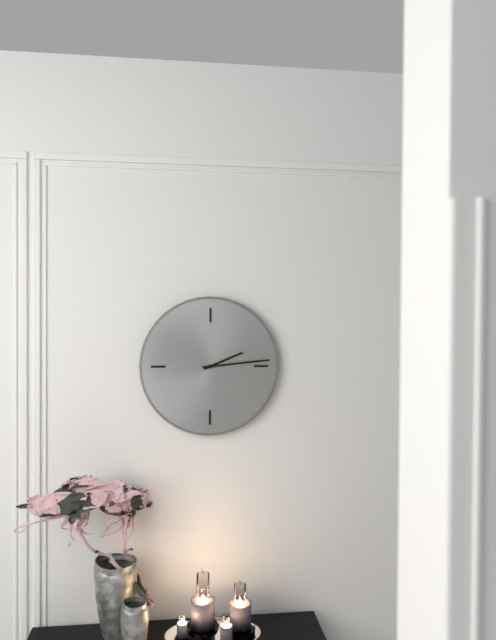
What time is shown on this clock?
2:14
